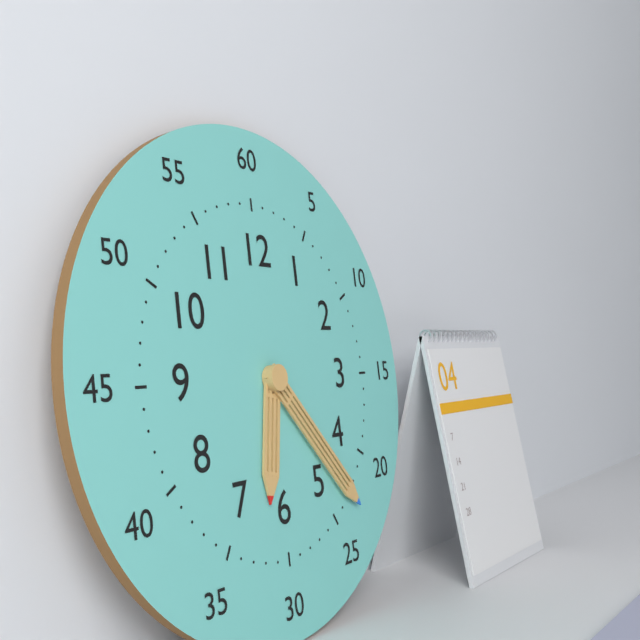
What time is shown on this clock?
6:23
